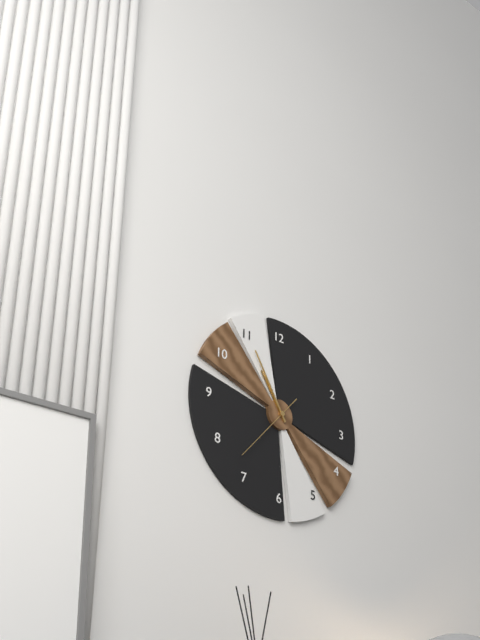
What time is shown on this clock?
10:55:37
